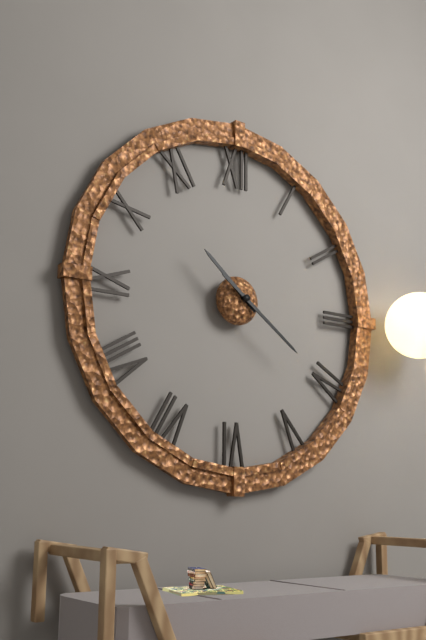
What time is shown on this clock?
10:21
